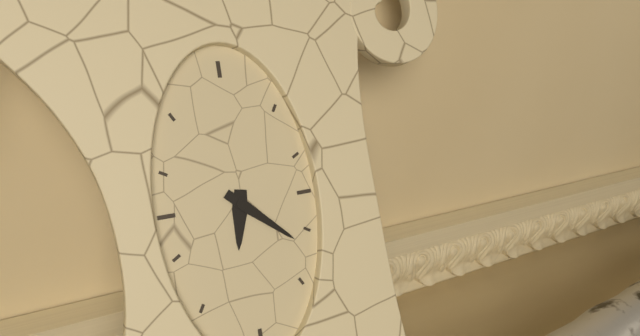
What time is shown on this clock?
6:22
